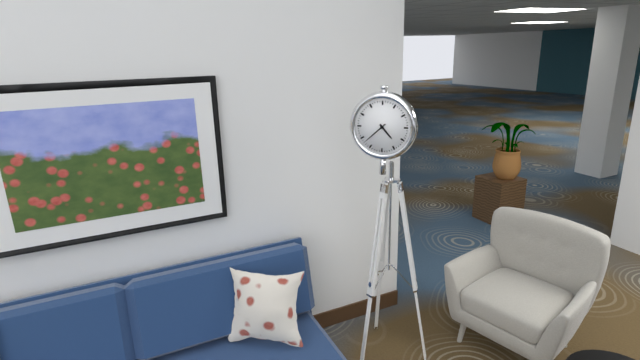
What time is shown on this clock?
4:38
